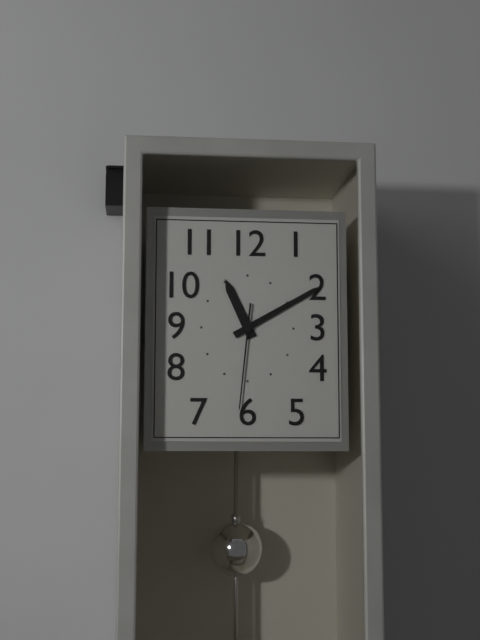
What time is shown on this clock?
11:10:31
